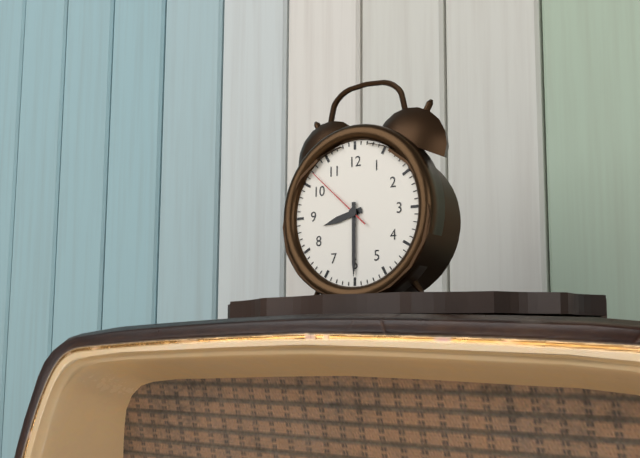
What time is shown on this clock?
8:30:52
